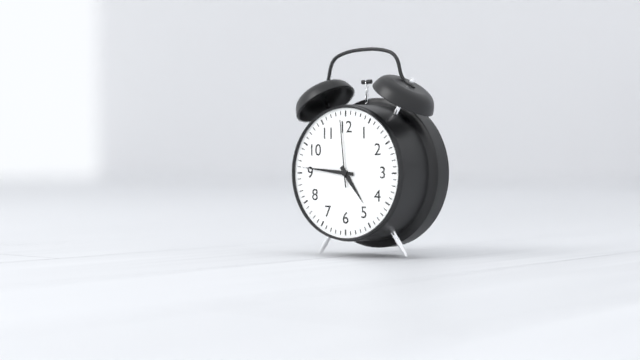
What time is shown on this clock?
4:46:59
